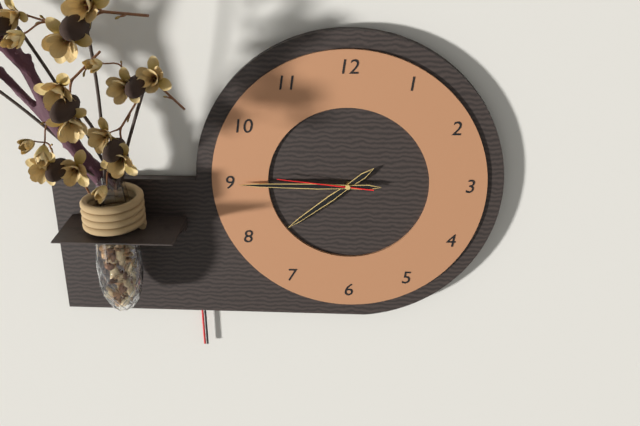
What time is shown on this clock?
7:45:46
